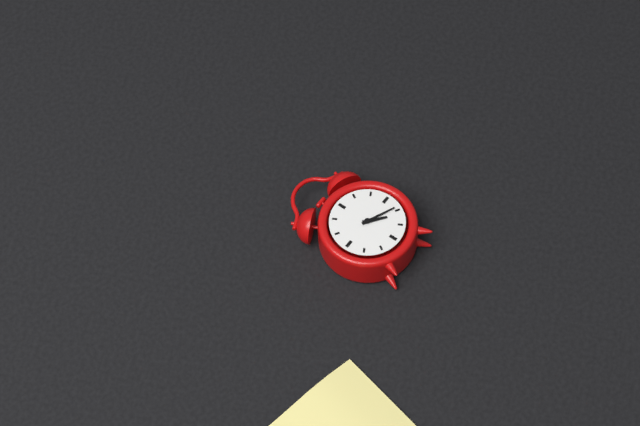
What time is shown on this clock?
4:19
